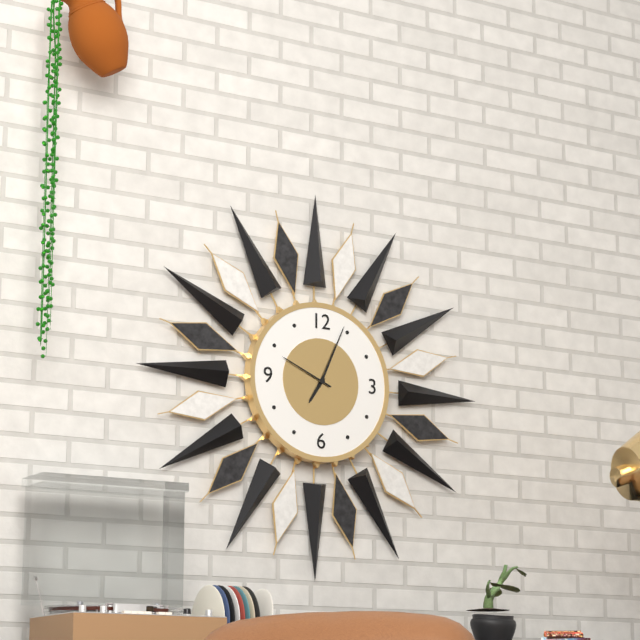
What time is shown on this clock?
7:04:49
